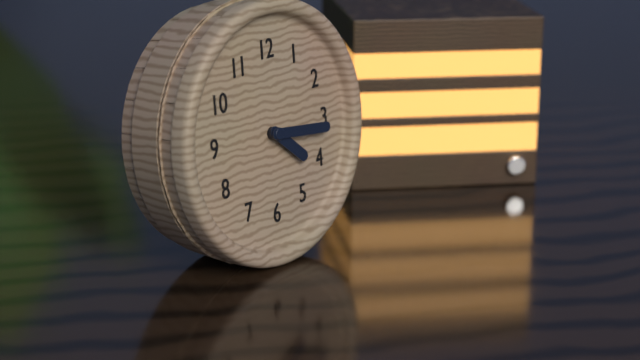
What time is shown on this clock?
4:16
